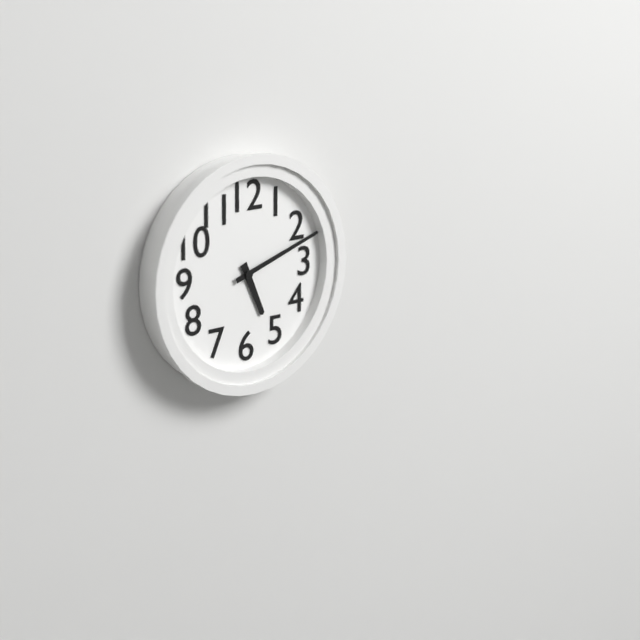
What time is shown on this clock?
5:12
